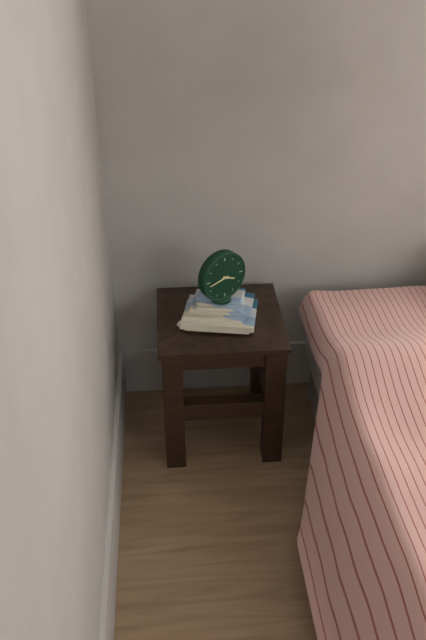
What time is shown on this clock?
3:43
